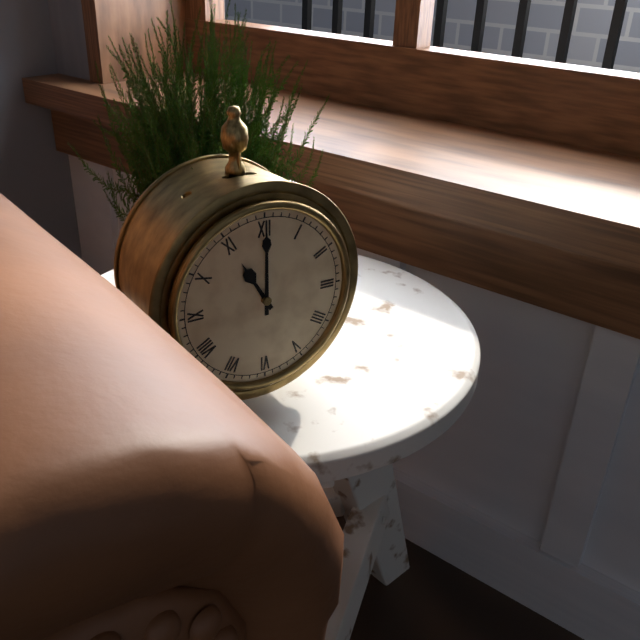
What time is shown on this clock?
11:00
